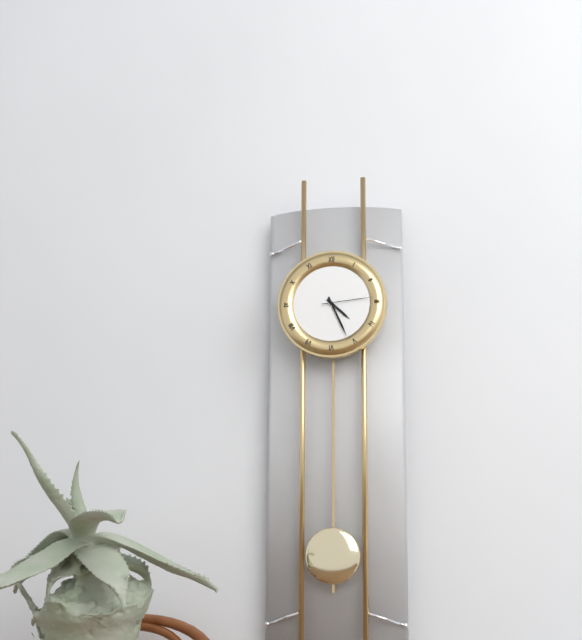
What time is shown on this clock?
4:26:14
